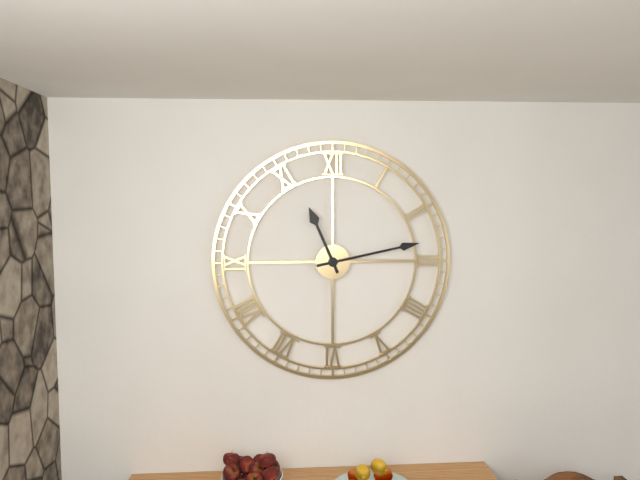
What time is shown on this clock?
11:13
